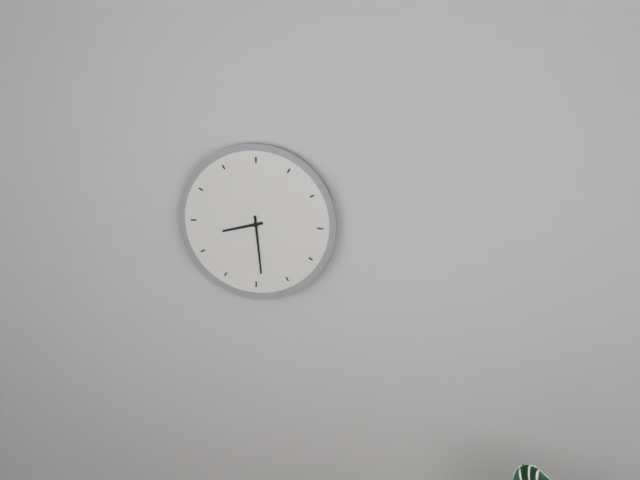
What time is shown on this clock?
8:29
